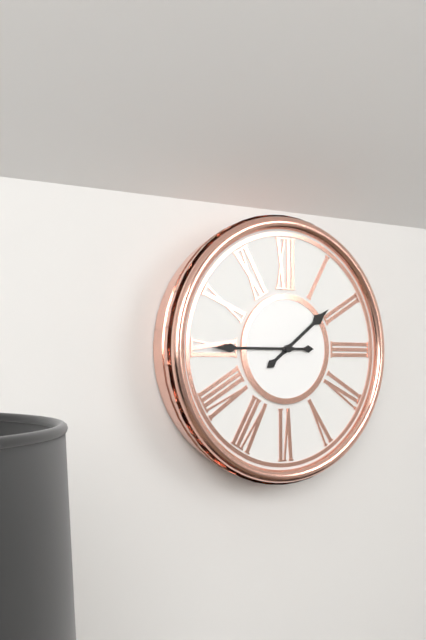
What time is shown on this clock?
1:45
